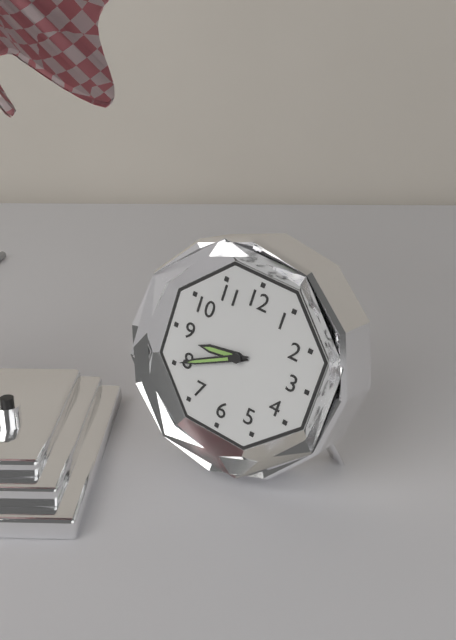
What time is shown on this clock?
8:40
